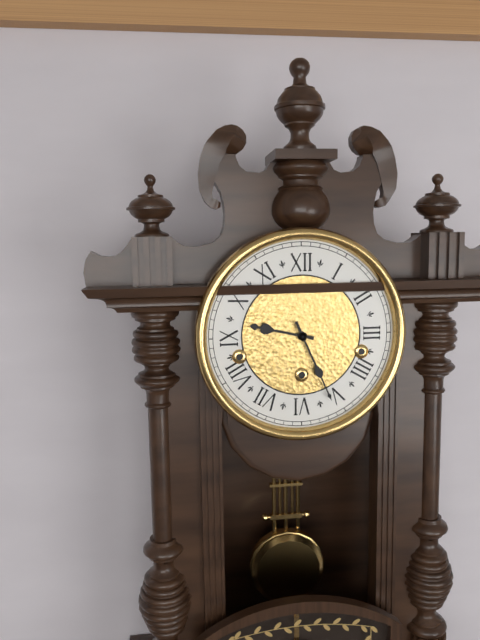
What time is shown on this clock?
9:26
